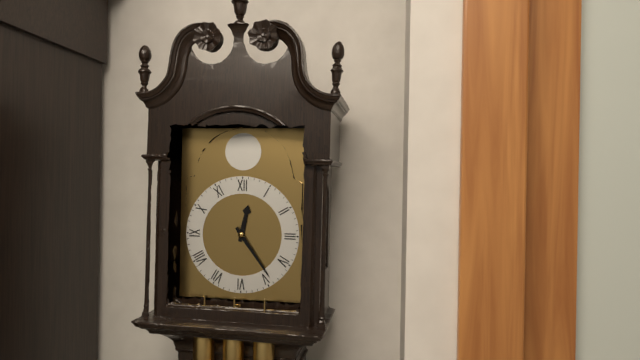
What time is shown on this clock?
12:24
